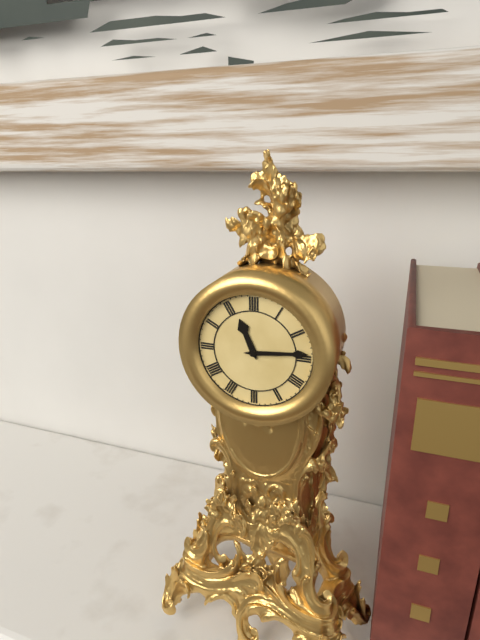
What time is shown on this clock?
11:14
